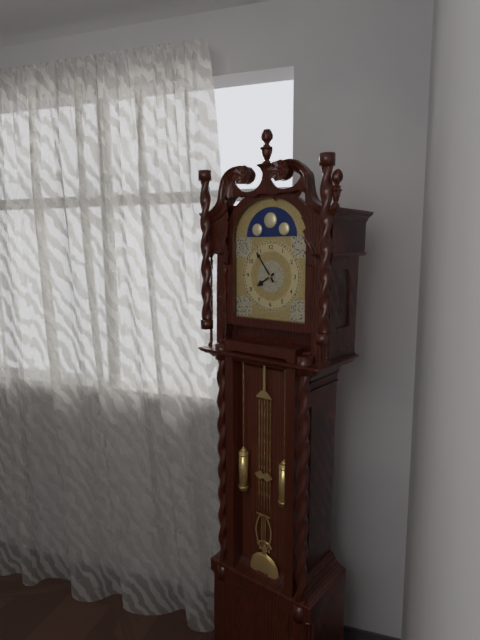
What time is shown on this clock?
7:54
